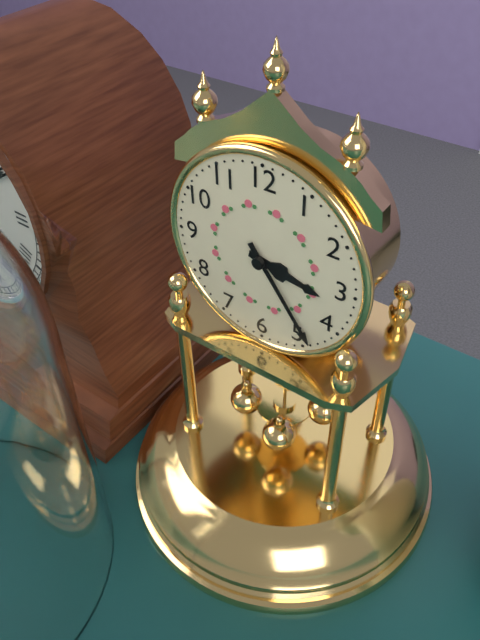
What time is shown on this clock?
3:24
